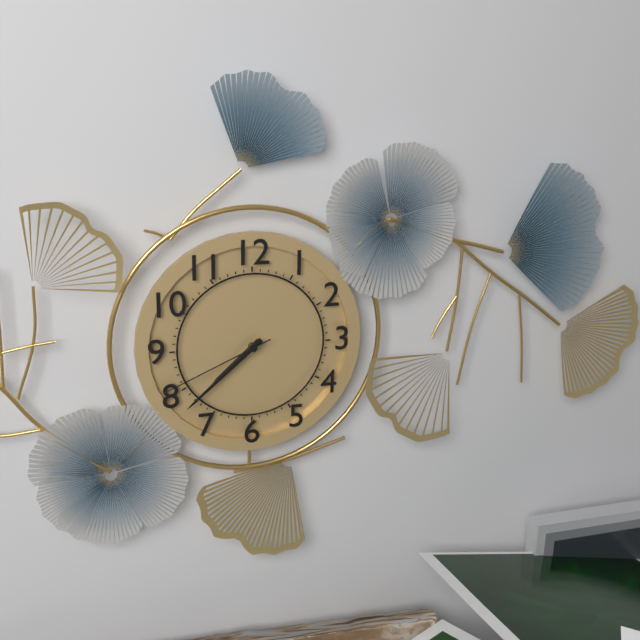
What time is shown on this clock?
7:38:41
